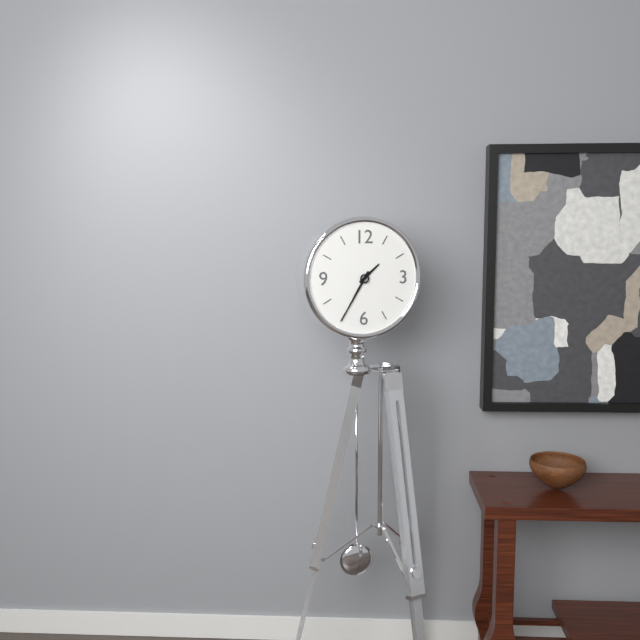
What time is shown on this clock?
1:35
